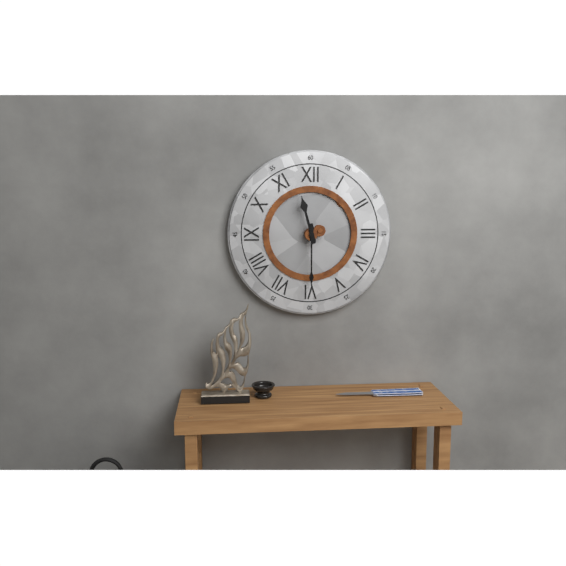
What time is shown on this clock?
11:30
